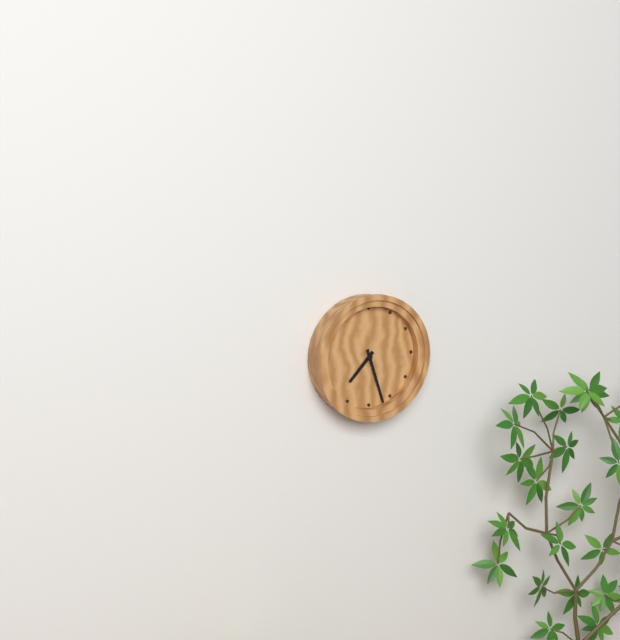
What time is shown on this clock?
7:27
